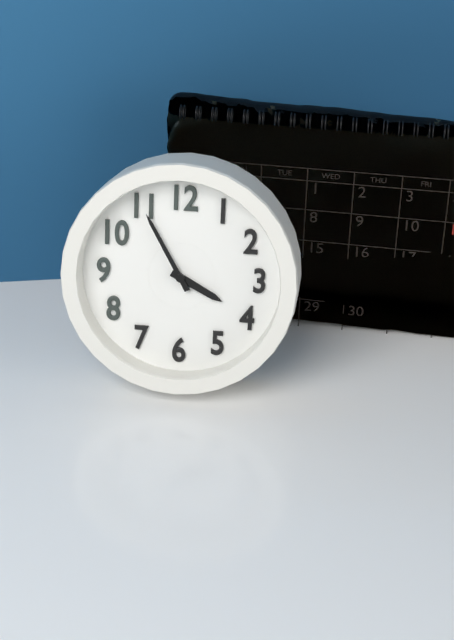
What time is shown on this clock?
3:55
